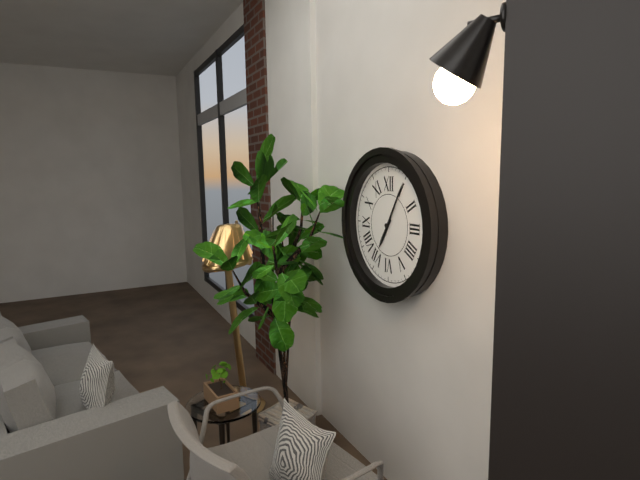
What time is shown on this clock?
7:05
